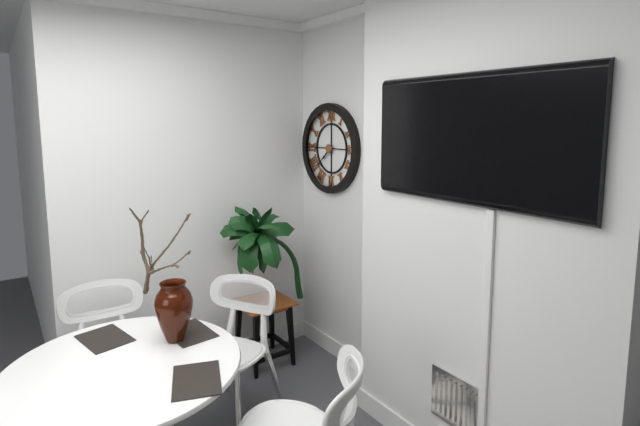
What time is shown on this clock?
7:38
